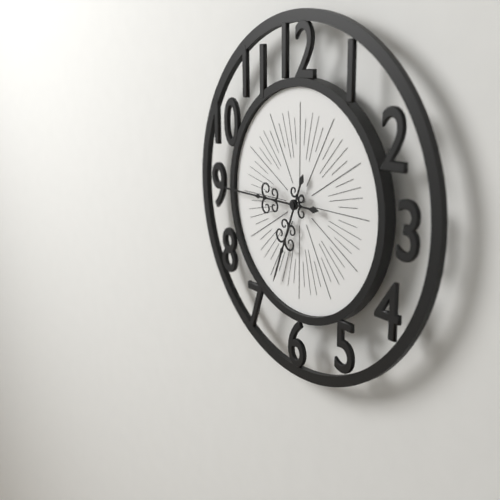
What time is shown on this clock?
6:45
